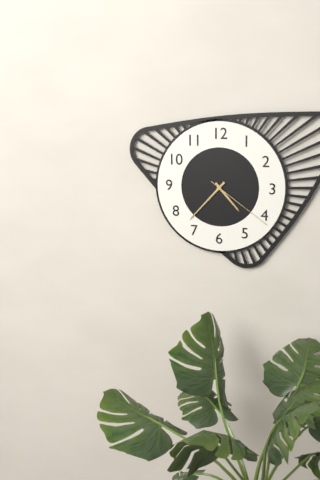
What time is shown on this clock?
4:37:21
